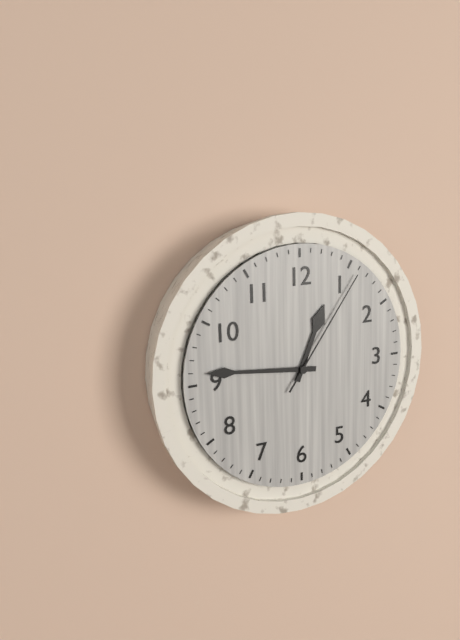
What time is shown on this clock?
12:46:06
